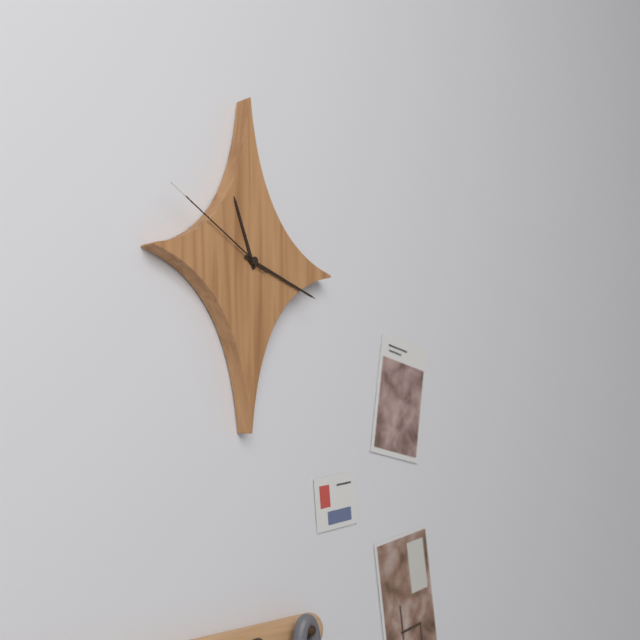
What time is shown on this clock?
11:18:50
